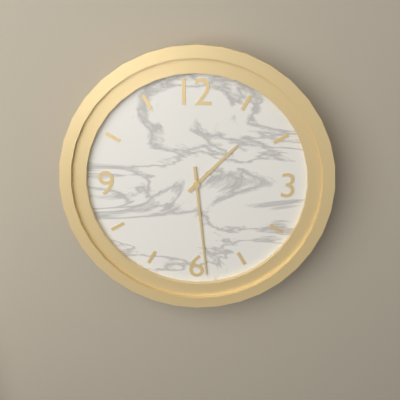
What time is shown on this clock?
1:29
